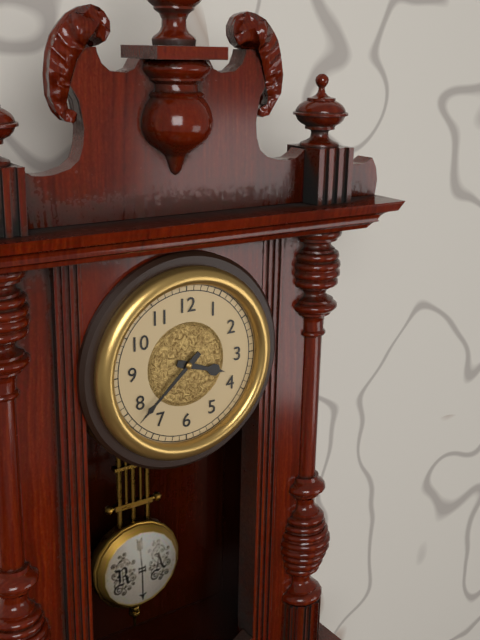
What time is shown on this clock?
3:38
